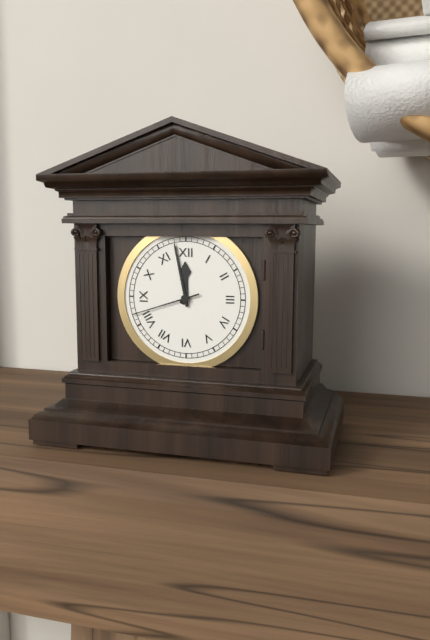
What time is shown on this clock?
11:58:42
